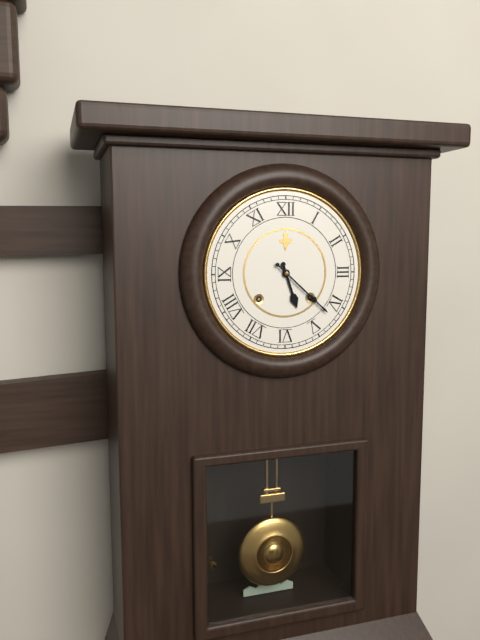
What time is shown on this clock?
5:22
